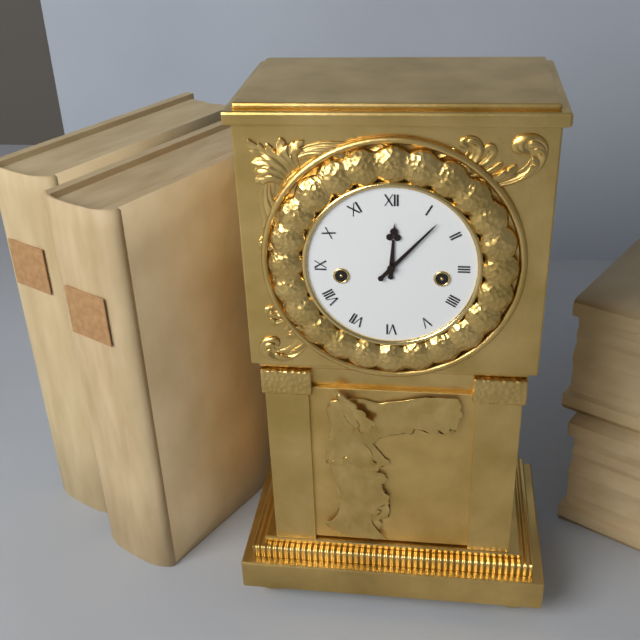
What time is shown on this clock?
12:07
